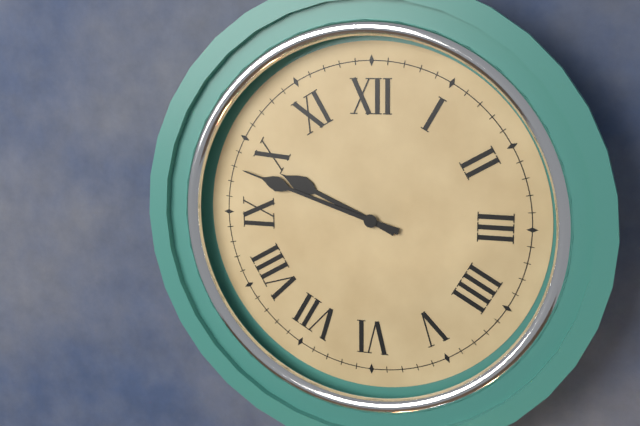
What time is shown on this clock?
9:48
